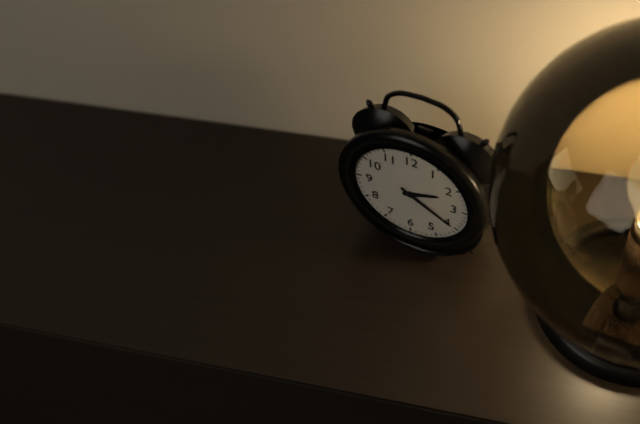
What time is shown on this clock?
2:20
